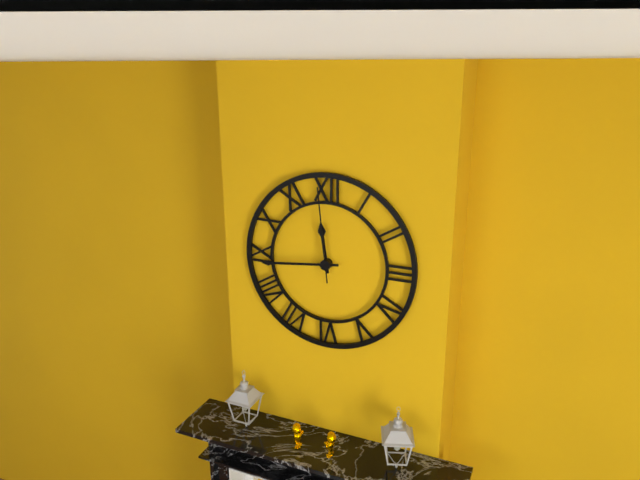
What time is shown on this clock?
11:44:59
